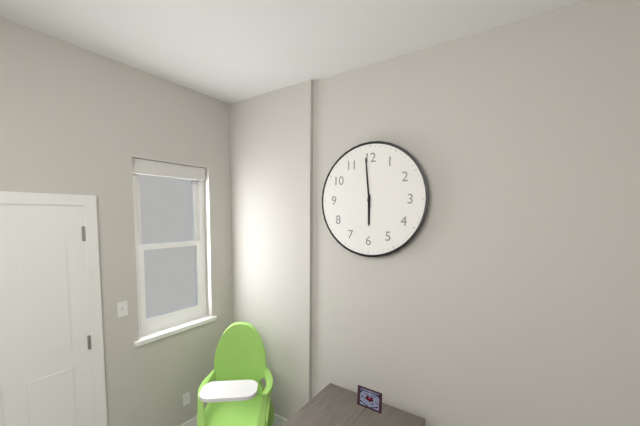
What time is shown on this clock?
5:59
